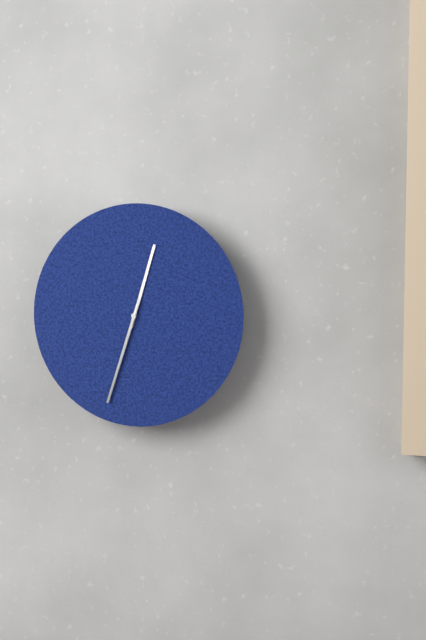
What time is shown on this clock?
12:33
